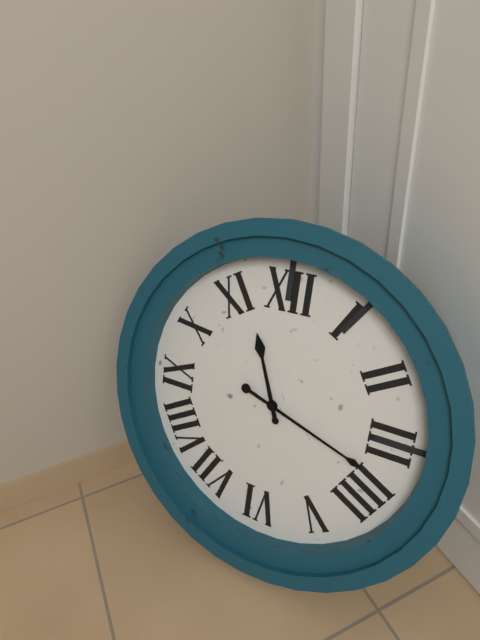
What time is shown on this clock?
11:18
